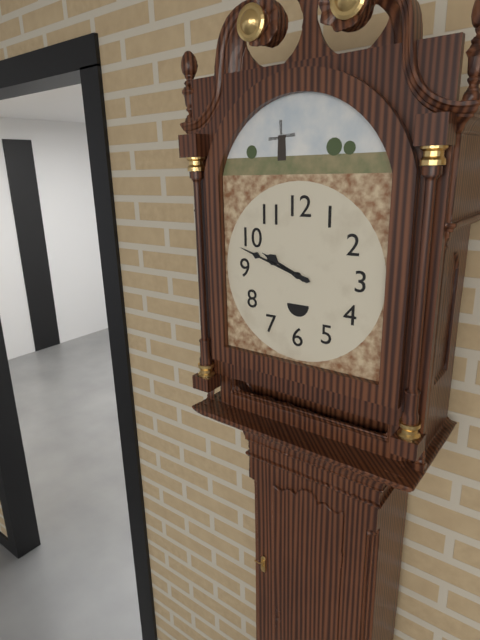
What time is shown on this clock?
9:48
